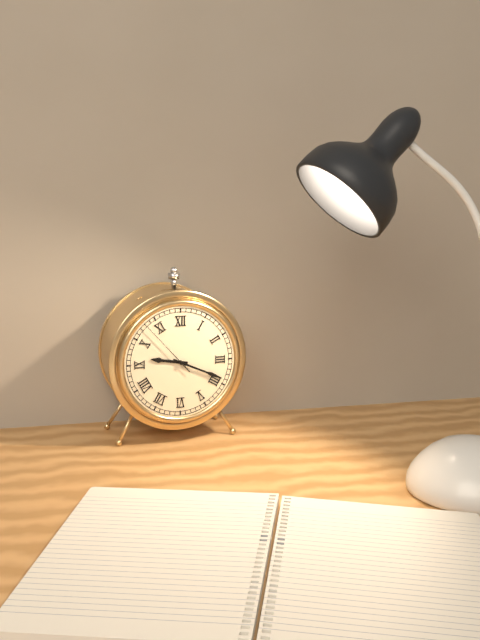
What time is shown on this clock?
9:19:53
